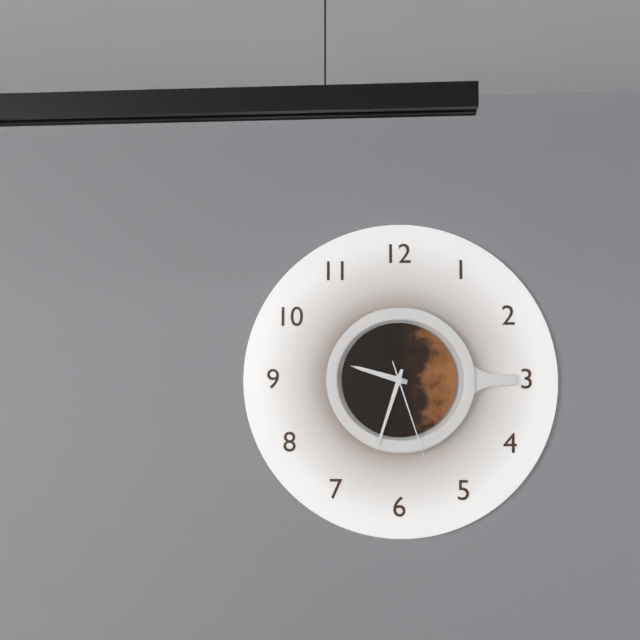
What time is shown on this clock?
9:33:27
